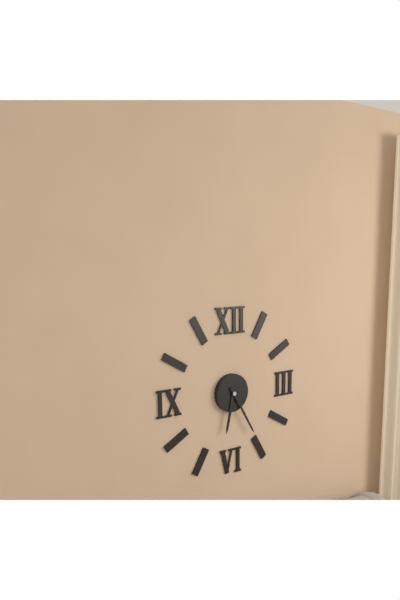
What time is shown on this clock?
6:25
